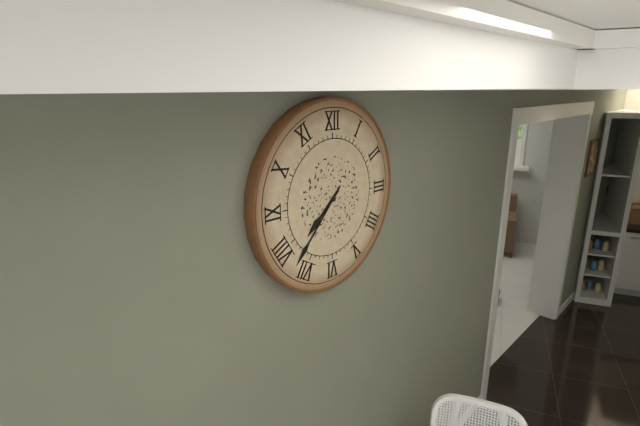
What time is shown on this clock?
7:37
